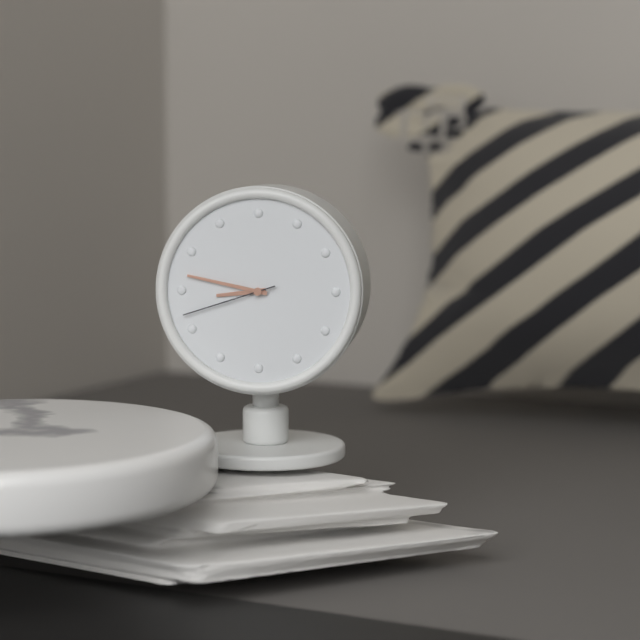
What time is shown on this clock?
8:47:42
